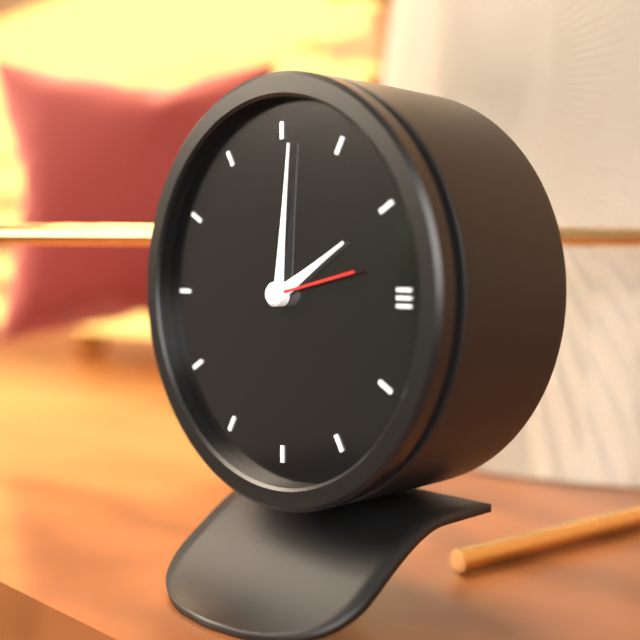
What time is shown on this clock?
2:01:13
